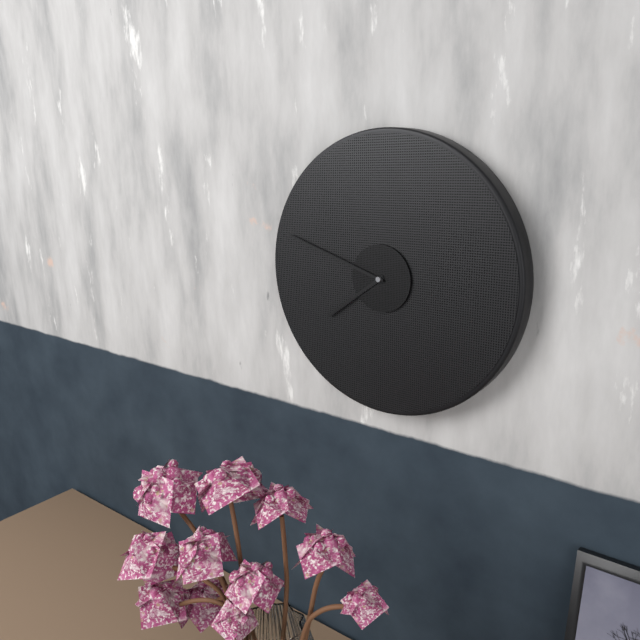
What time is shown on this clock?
7:48
